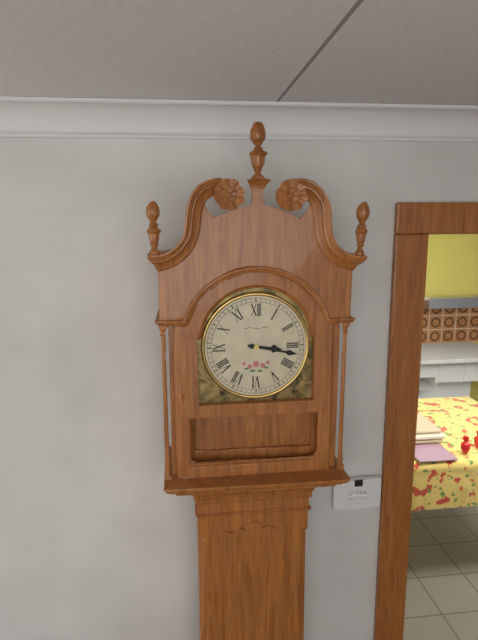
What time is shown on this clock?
3:17
